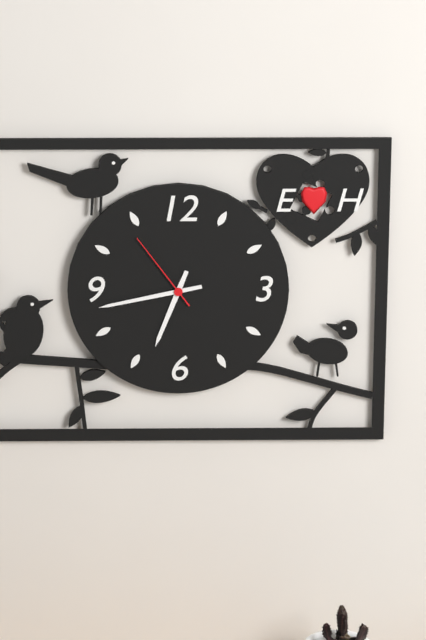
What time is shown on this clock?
6:43:54
